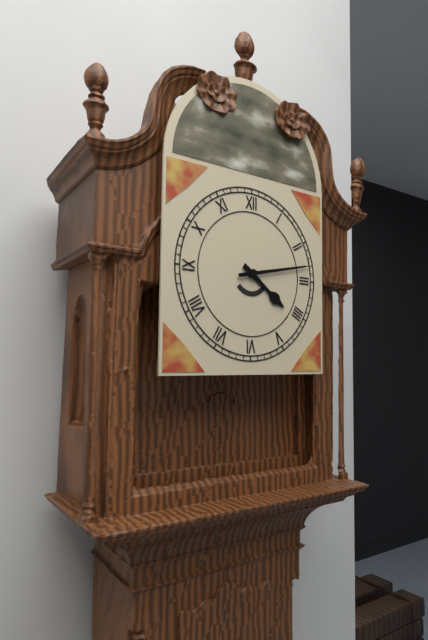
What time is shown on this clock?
4:13
